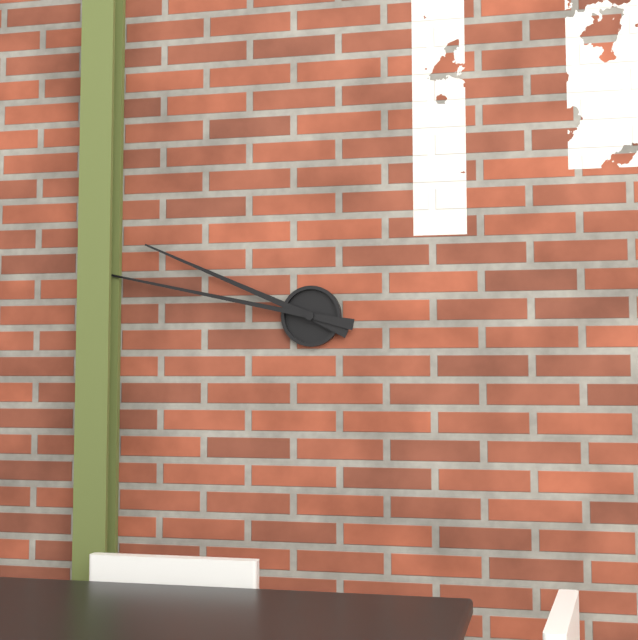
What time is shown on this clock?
9:47
